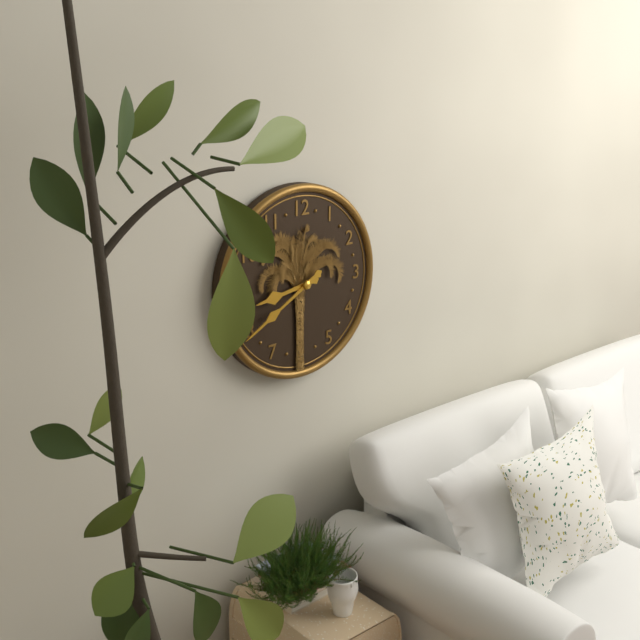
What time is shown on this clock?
8:40
